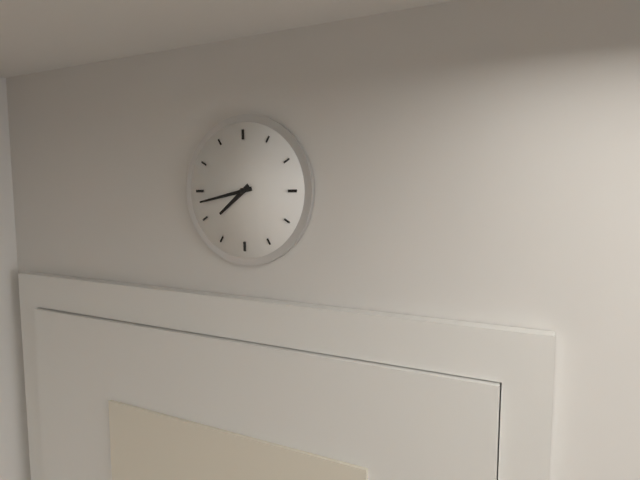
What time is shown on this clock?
7:43
